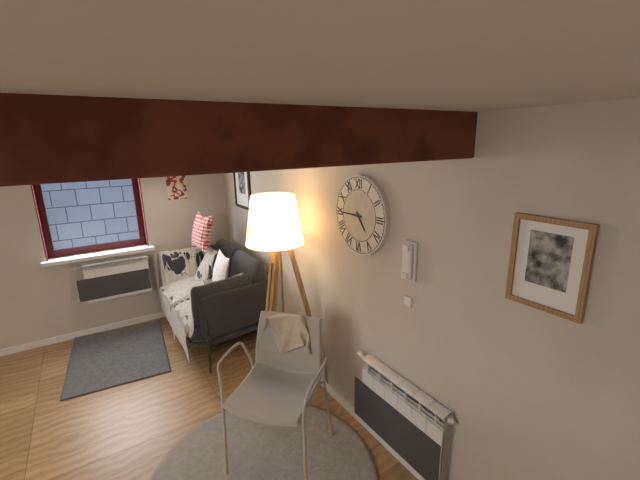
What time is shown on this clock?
4:45
